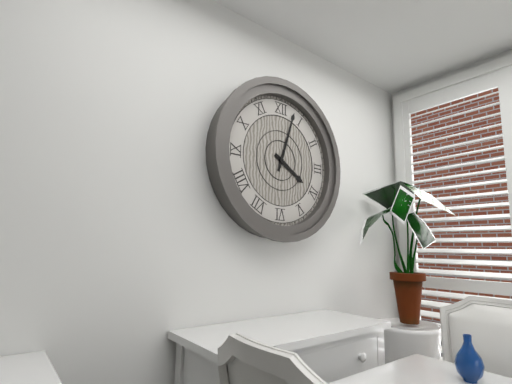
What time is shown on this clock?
4:03
